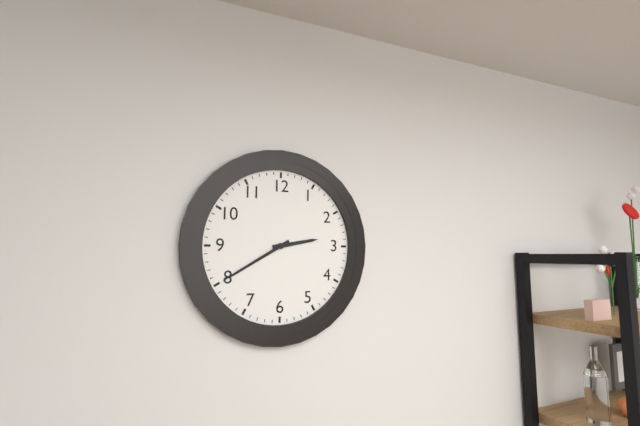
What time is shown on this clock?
2:40
